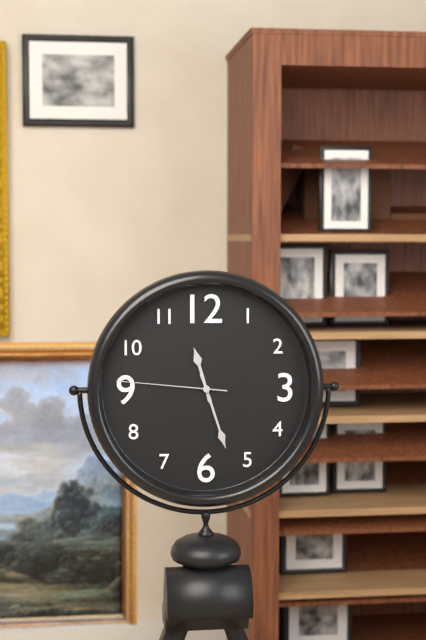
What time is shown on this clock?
11:27:46
